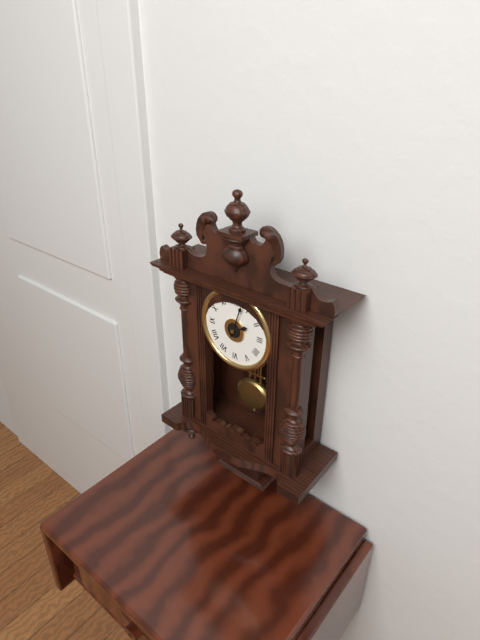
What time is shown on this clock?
2:03
